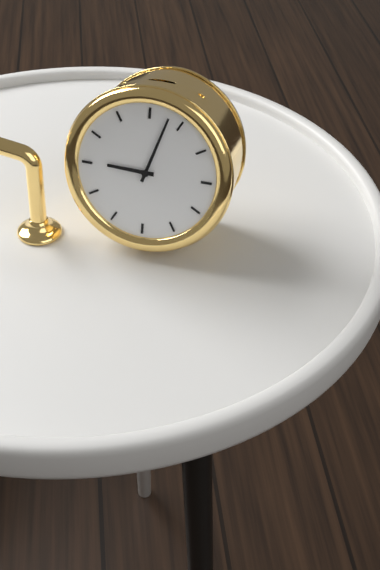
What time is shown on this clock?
9:03
